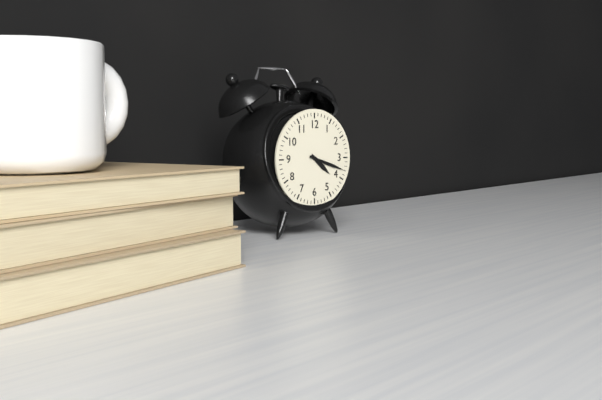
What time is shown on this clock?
4:18
